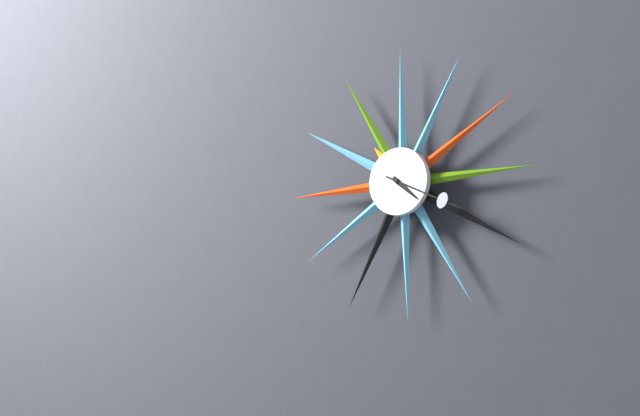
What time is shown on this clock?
4:19
